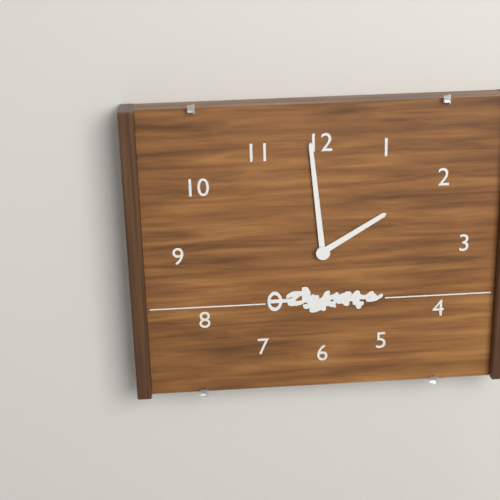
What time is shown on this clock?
1:59
